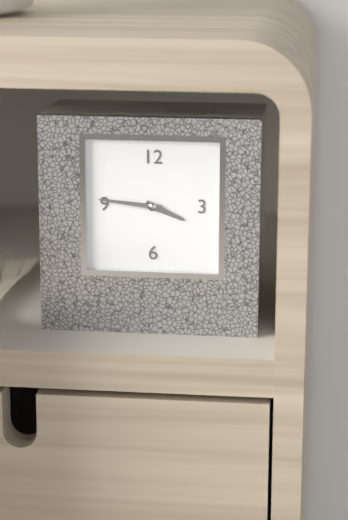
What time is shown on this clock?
3:46
